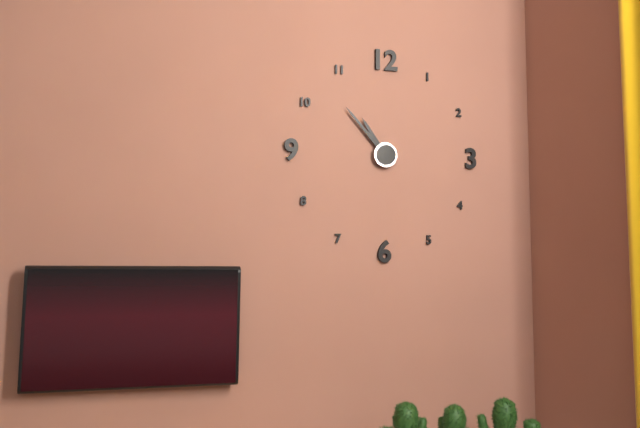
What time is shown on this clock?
10:53
